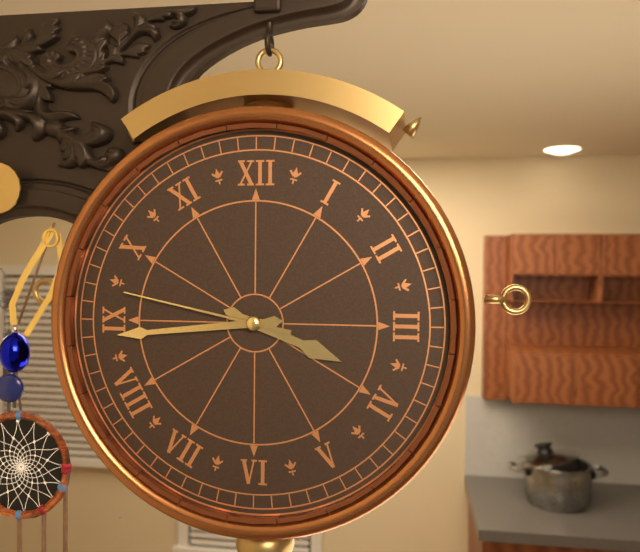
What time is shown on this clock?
3:44:47
